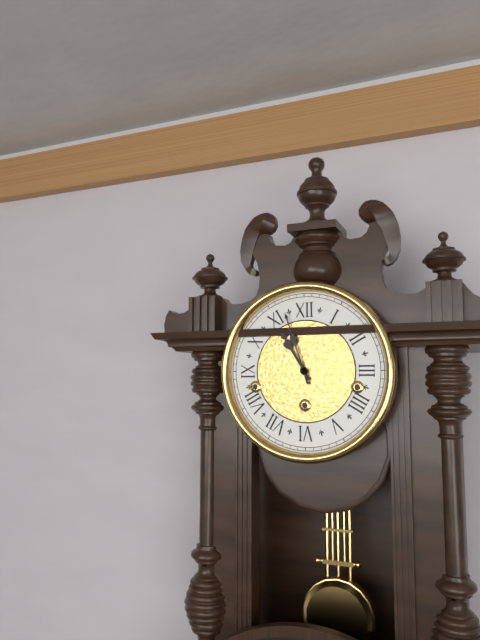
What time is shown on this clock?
10:57
